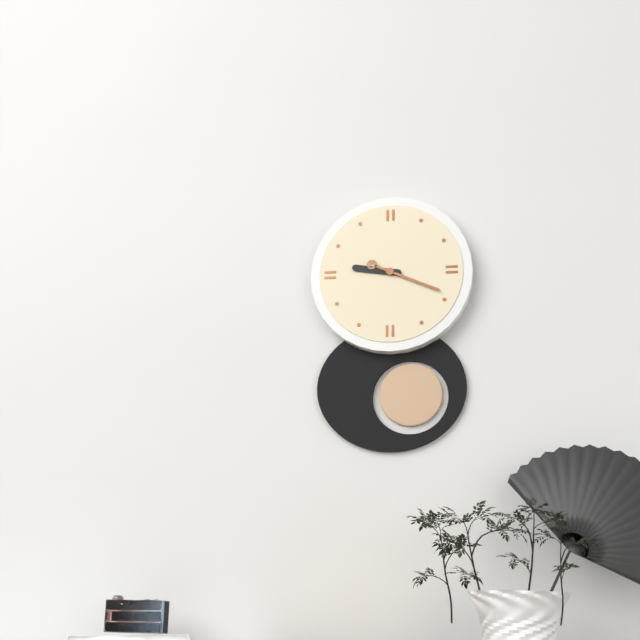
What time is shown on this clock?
9:19
